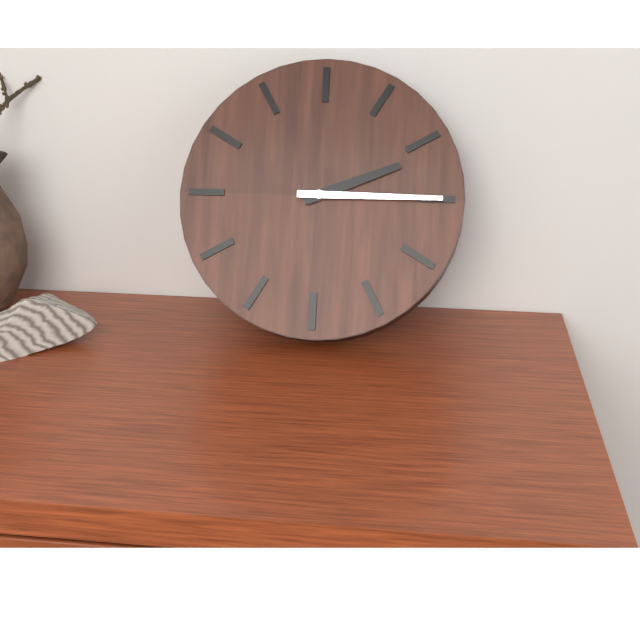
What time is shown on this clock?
2:15
